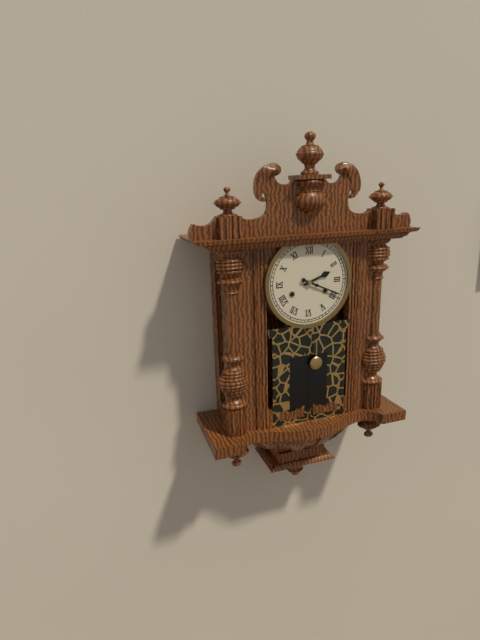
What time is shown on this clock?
2:19
